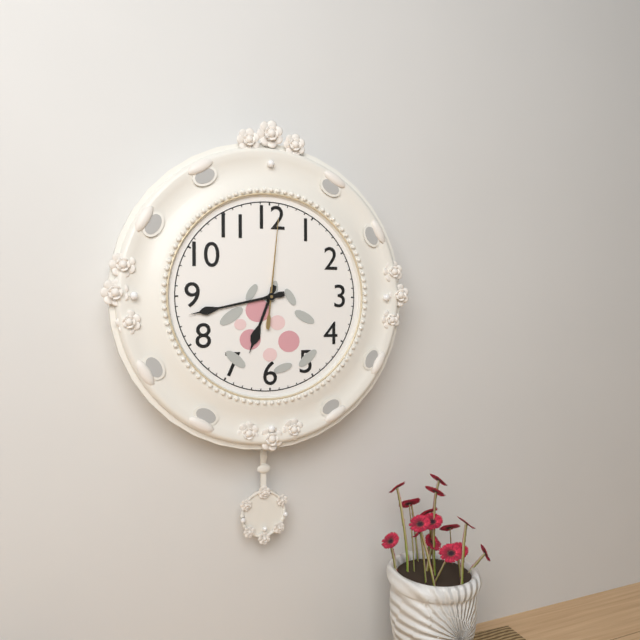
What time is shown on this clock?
6:43:01
